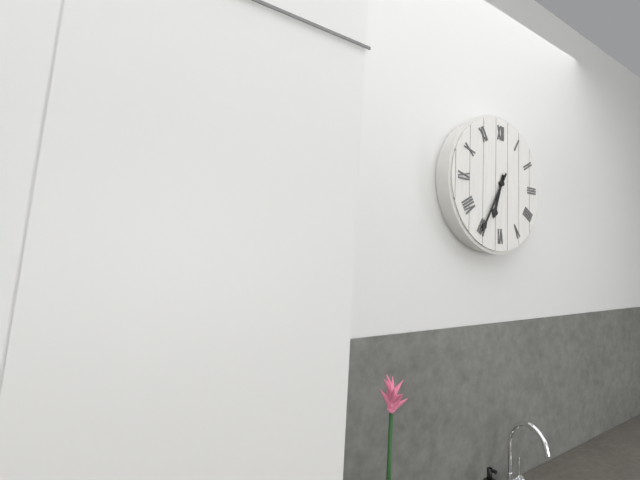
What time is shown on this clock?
6:35
